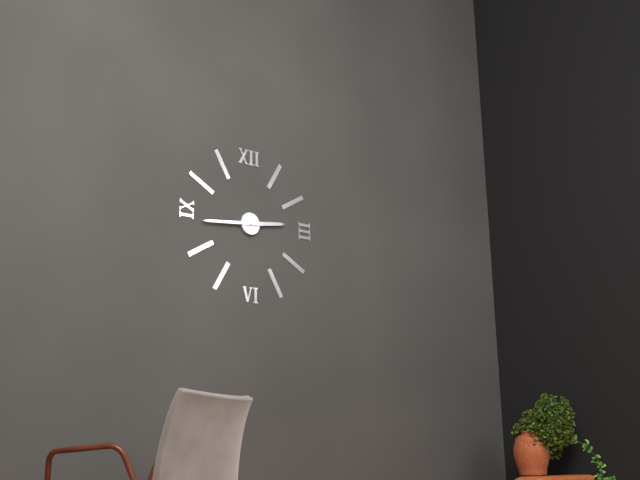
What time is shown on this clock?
2:44
